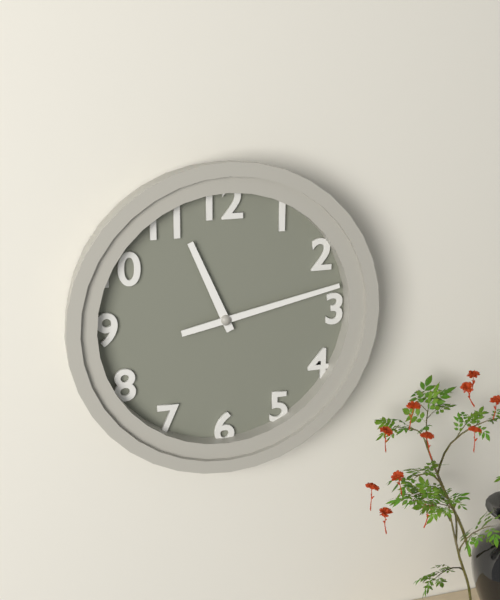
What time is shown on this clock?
11:13
